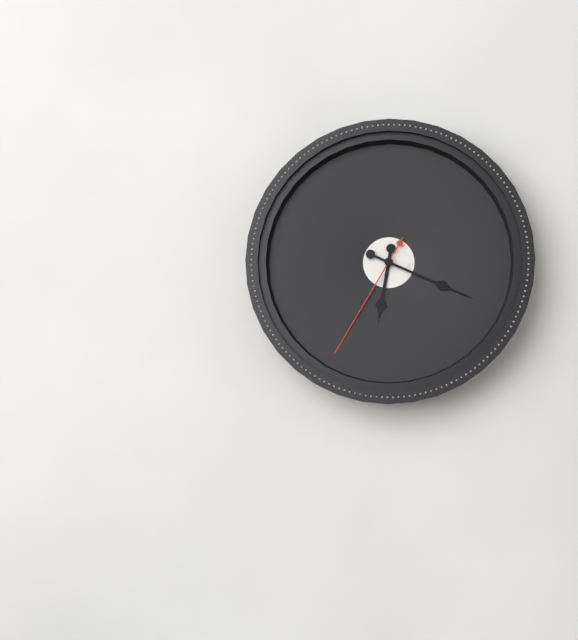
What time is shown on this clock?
6:19:35
